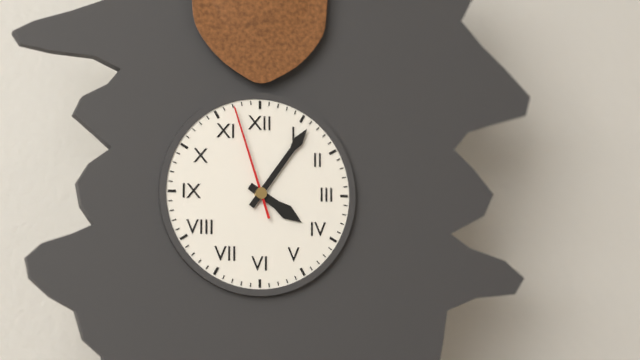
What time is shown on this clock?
4:06:57
